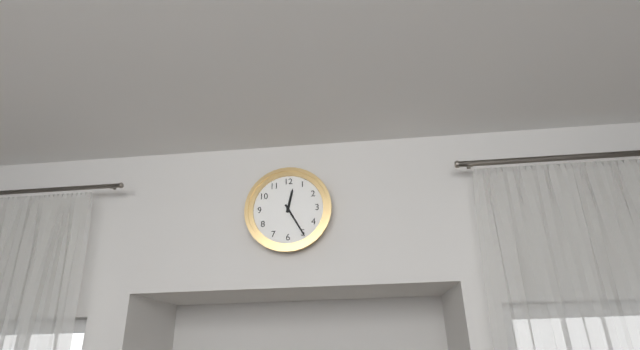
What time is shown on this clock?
12:25
